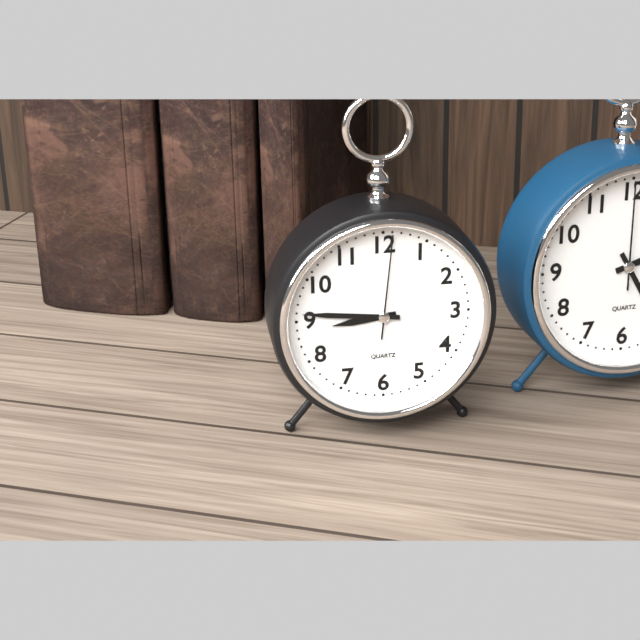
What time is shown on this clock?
8:46:01
